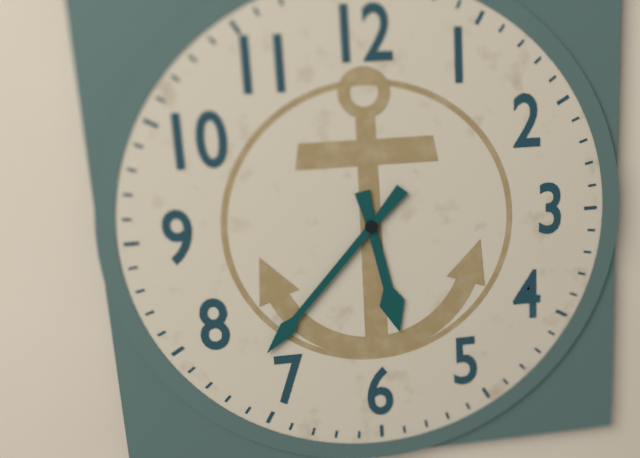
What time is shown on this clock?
5:37
